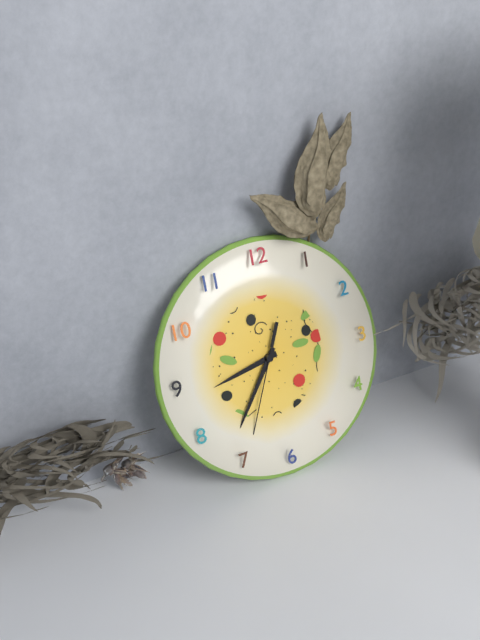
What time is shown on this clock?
8:36:34
